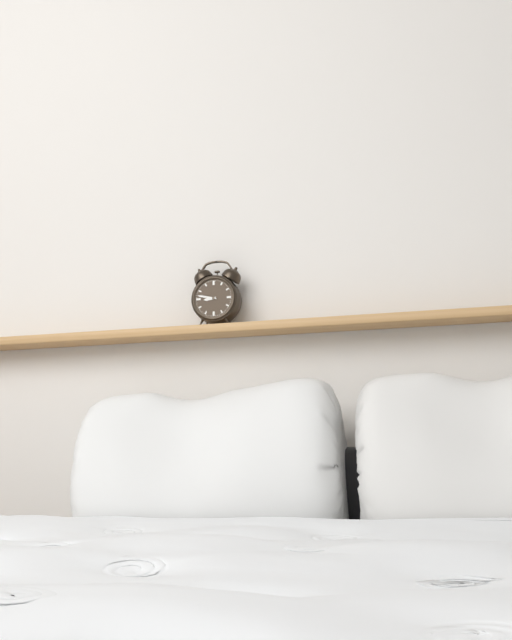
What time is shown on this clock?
8:47
